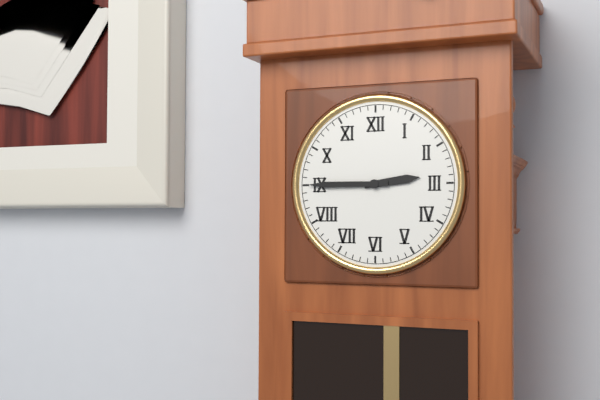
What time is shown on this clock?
2:45
